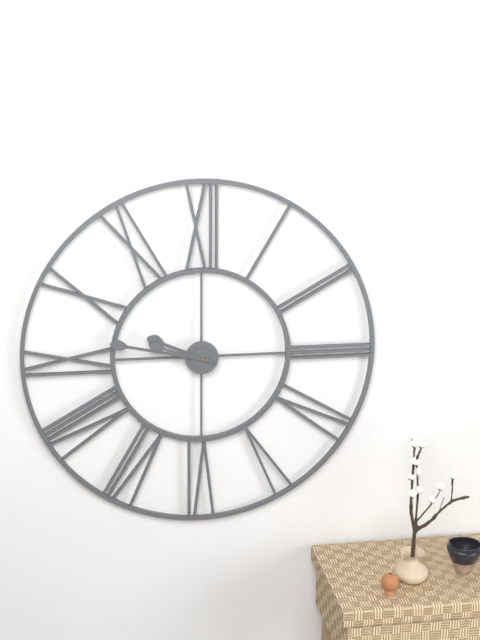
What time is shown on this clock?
9:47:48
